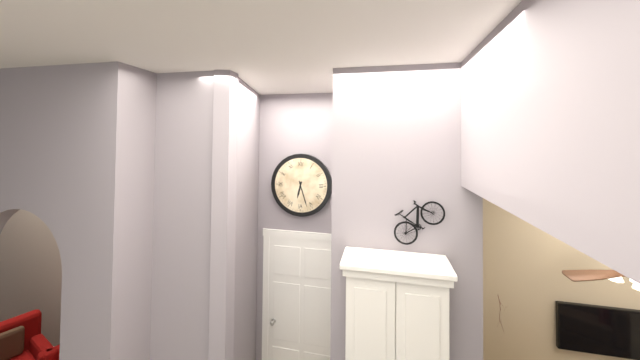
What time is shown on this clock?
6:27
